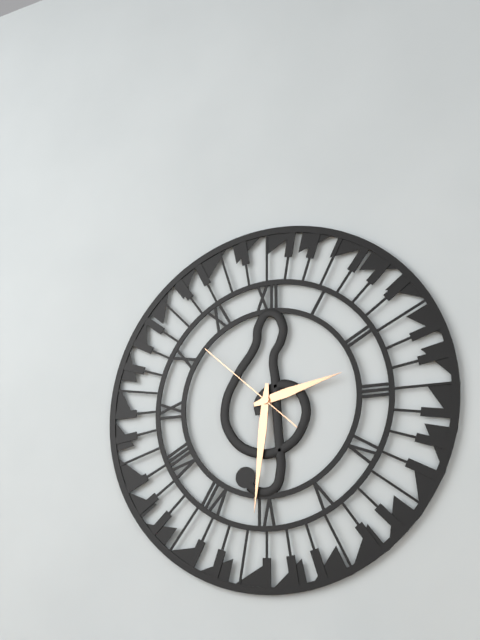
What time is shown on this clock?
2:31:52
